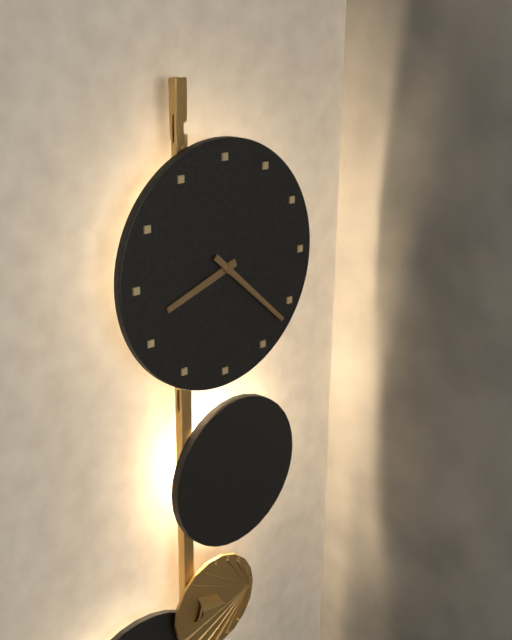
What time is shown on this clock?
8:22
